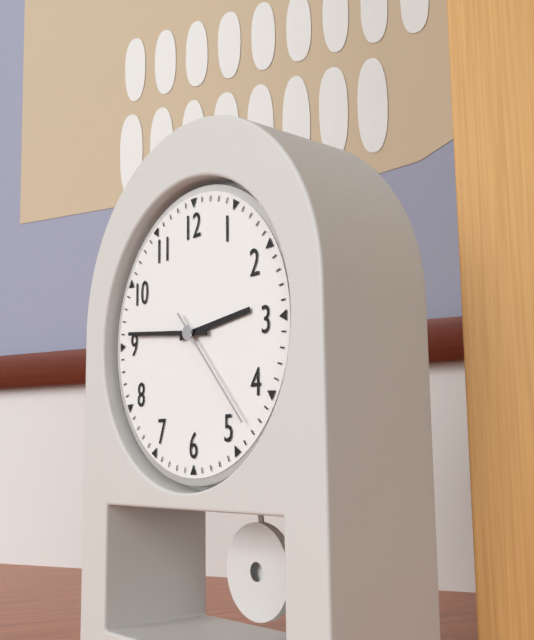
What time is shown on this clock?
2:46:23
